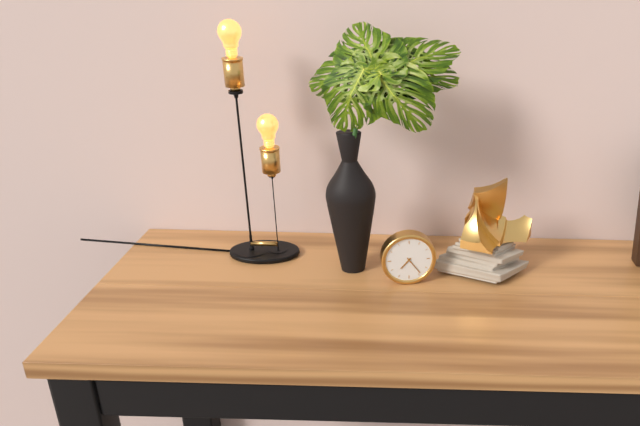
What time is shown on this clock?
7:24
